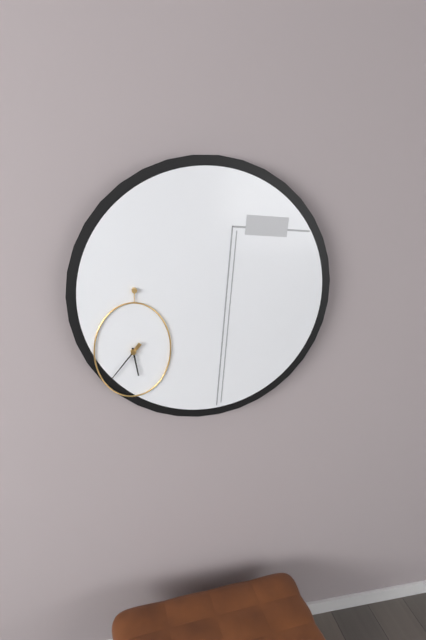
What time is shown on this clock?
5:36
